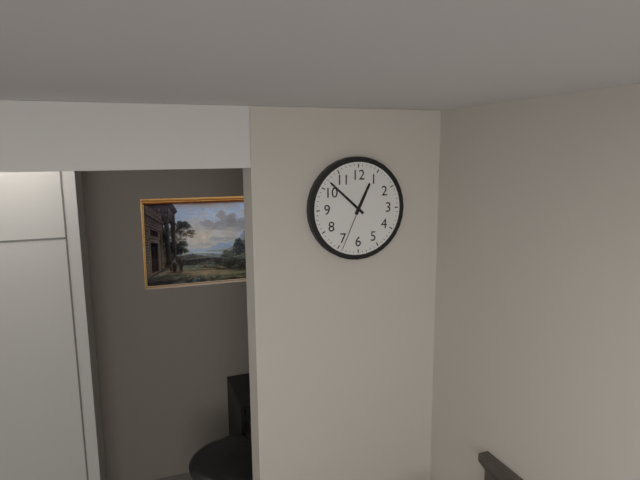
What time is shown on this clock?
12:52:34
